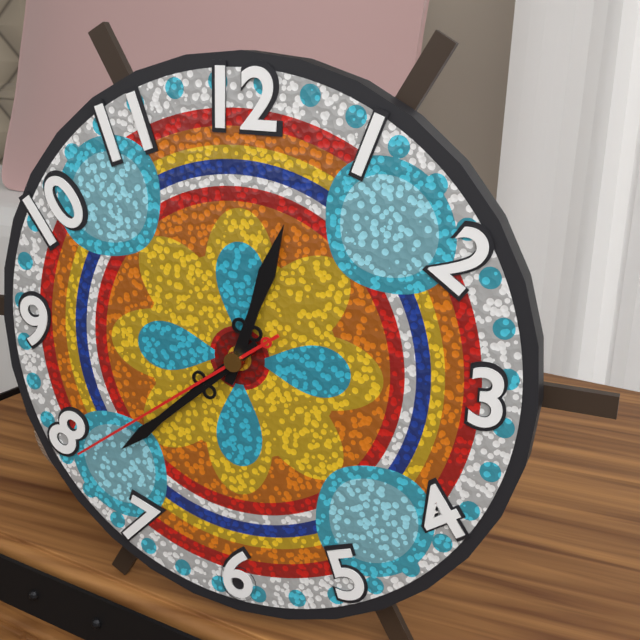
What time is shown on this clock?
12:38:39
